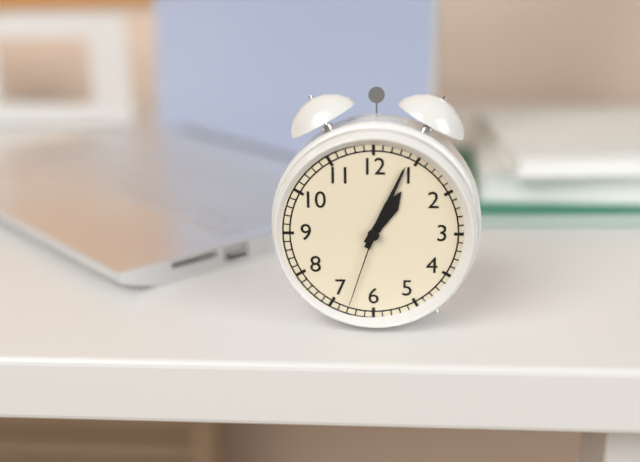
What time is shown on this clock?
1:04:33
